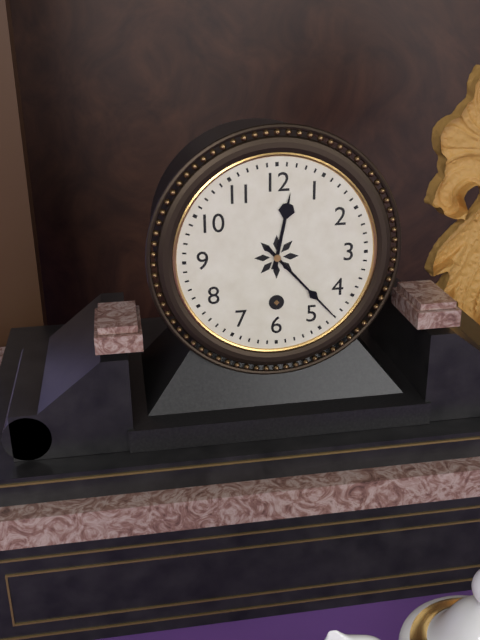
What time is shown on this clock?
12:23
